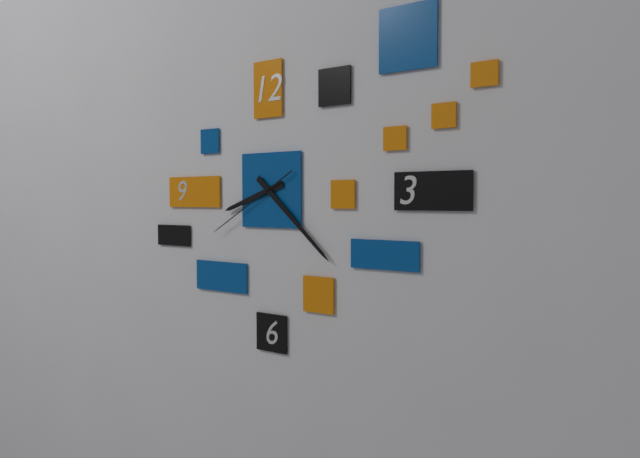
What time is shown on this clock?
8:22:40
